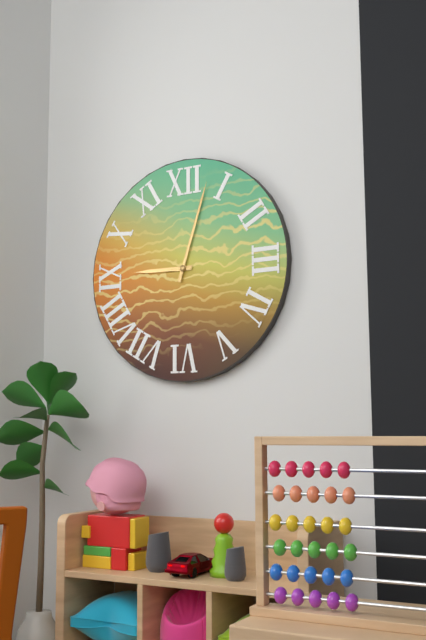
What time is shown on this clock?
9:03
